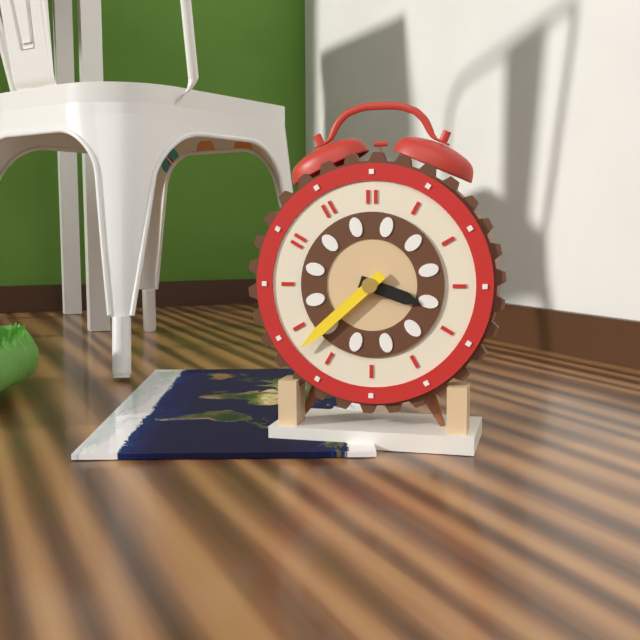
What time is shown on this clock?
3:38
